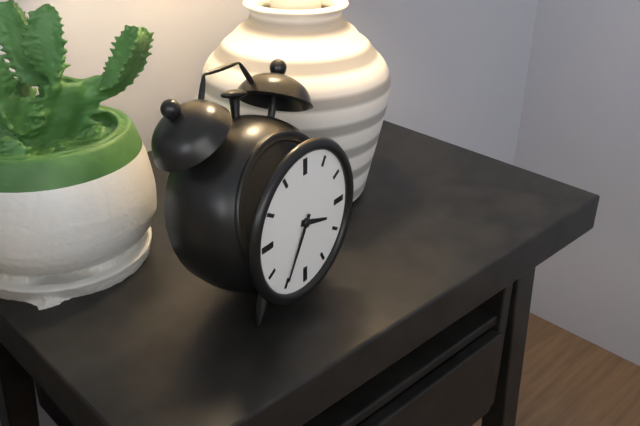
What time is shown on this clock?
3:35
